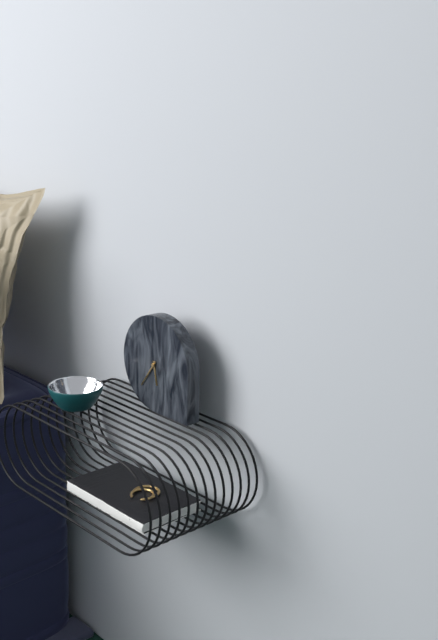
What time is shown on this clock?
5:36
